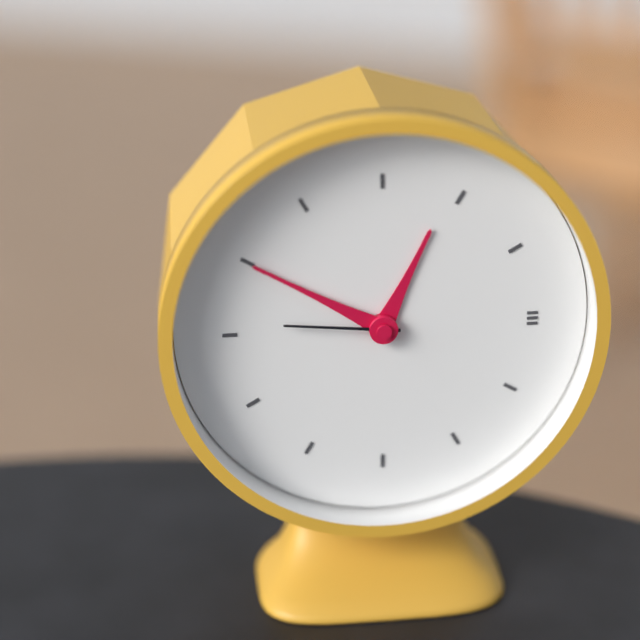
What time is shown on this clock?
12:50:46
